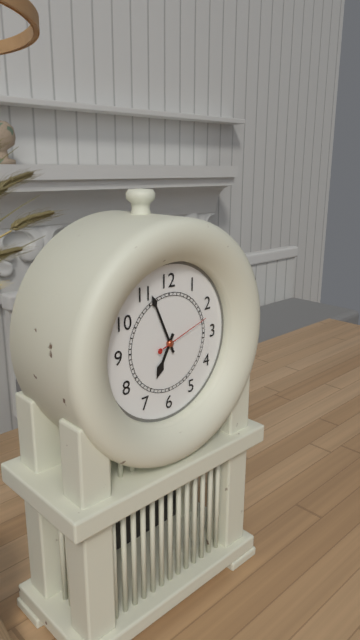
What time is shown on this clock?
6:56:12
